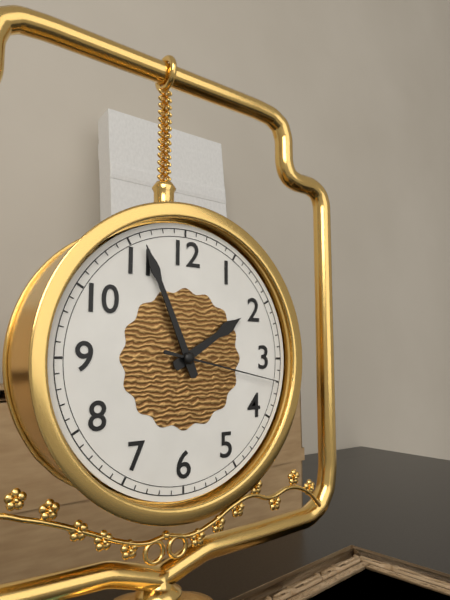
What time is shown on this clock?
1:56:17
